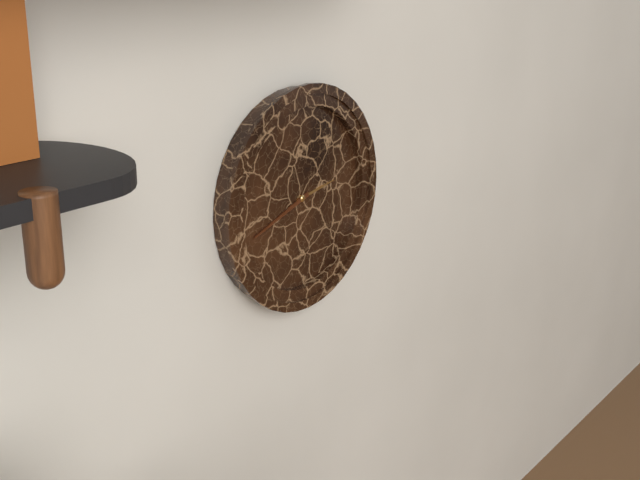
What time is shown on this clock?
2:42
